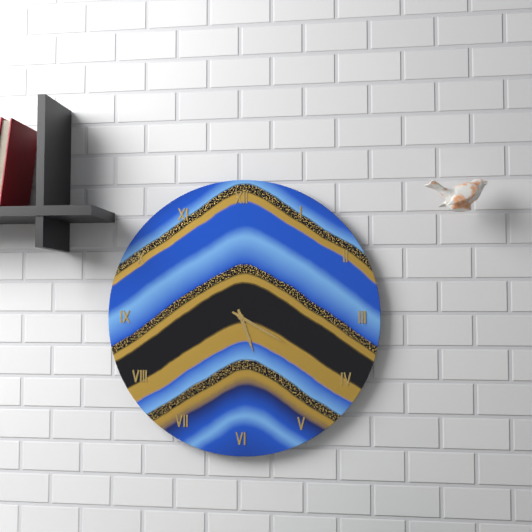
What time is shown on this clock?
5:20
